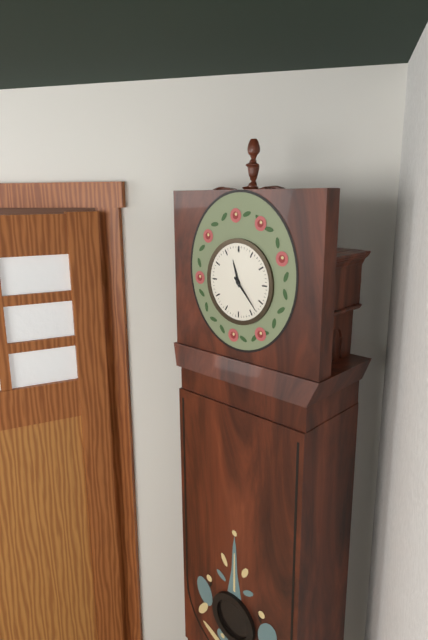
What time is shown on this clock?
11:23
